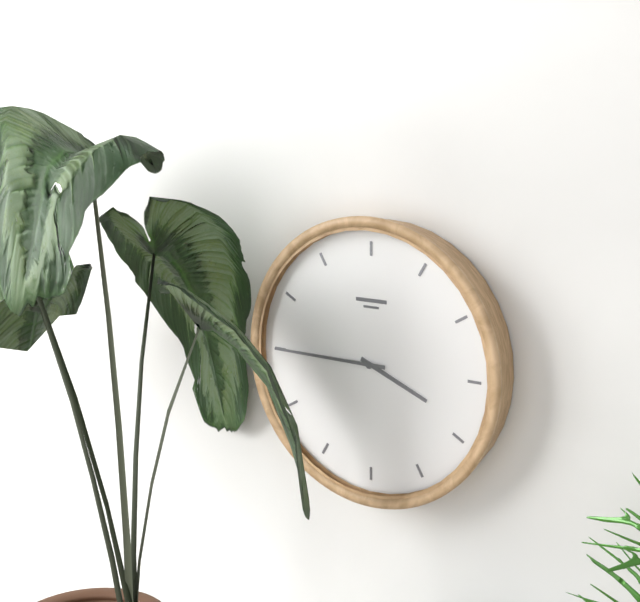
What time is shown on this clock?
3:45
